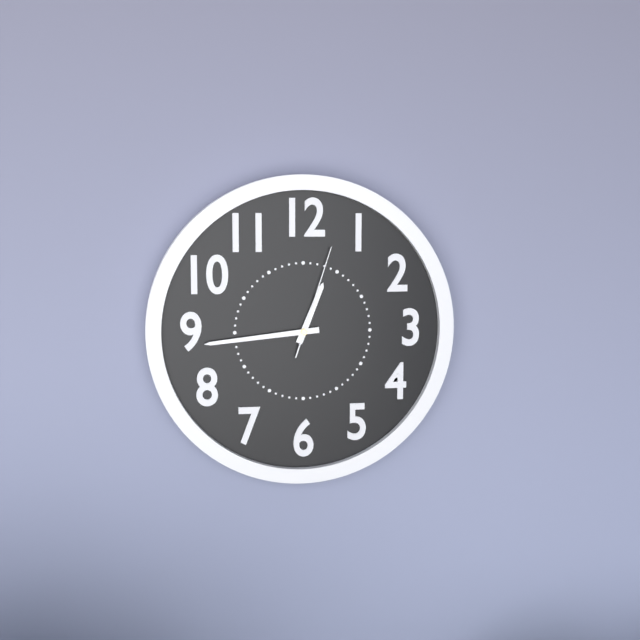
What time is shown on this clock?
12:44:03
